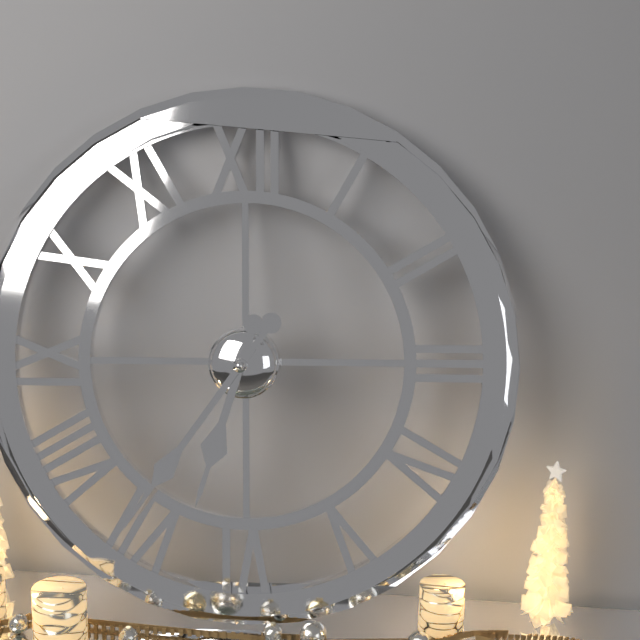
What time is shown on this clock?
6:36
